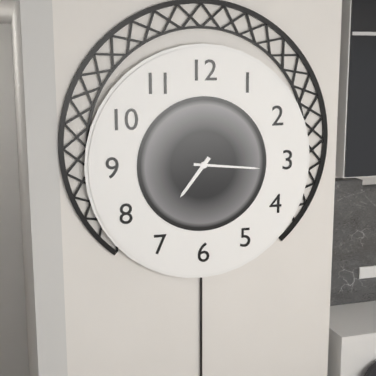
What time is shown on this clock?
7:16
